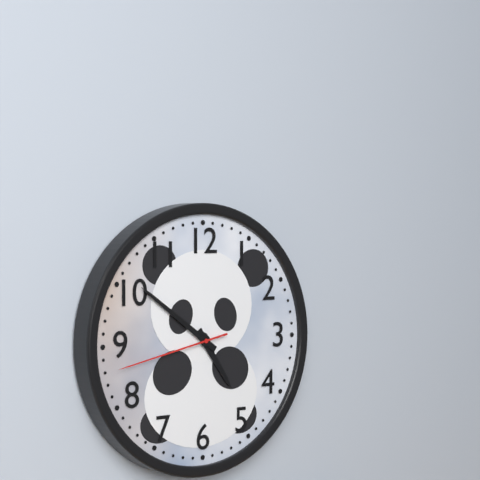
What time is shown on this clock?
4:51:43
